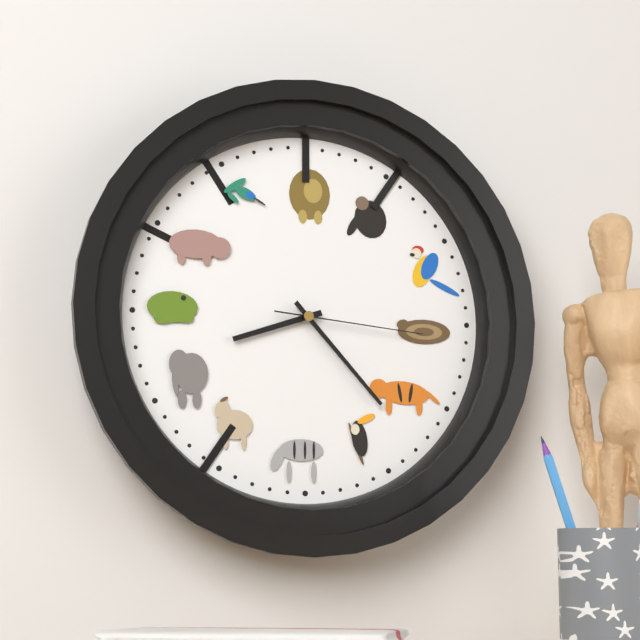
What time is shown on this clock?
8:23:16
